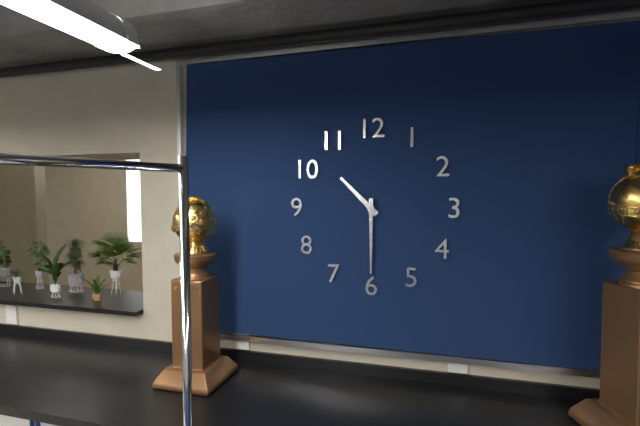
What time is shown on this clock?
10:30
